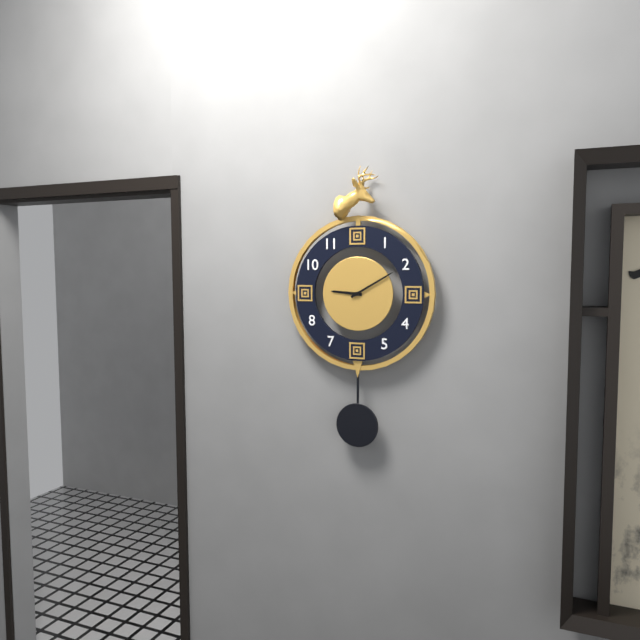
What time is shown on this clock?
9:10
